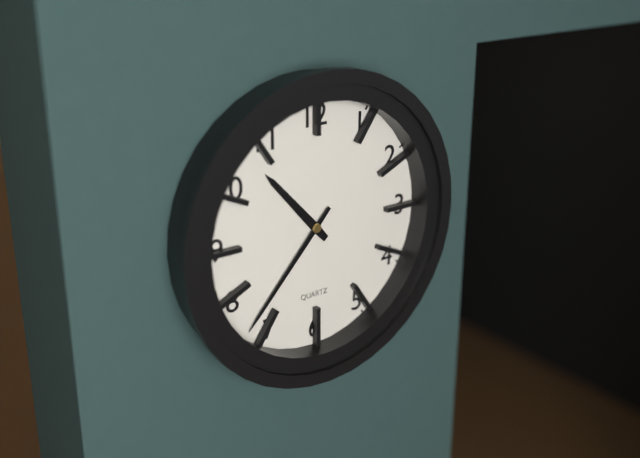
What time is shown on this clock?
10:37
